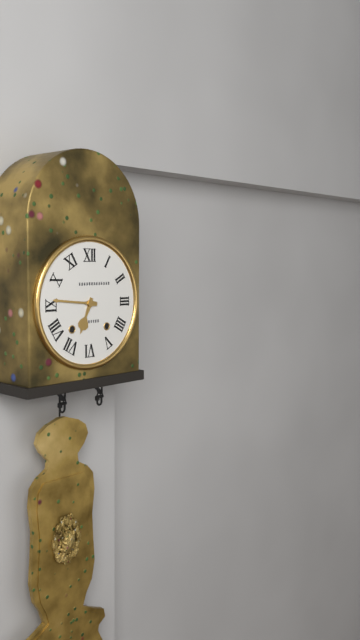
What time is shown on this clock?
6:46
